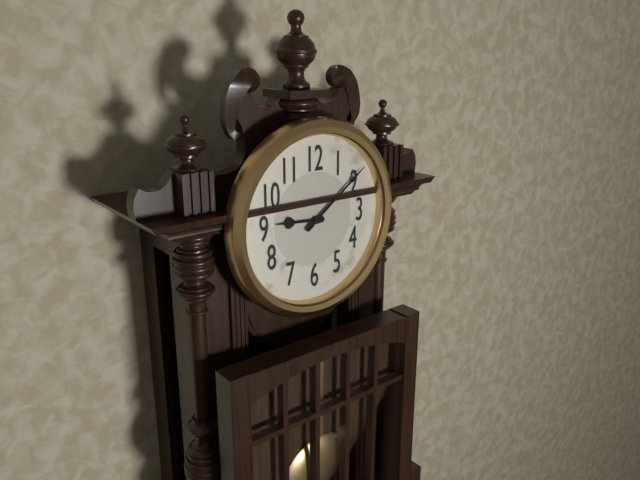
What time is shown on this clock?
9:09
